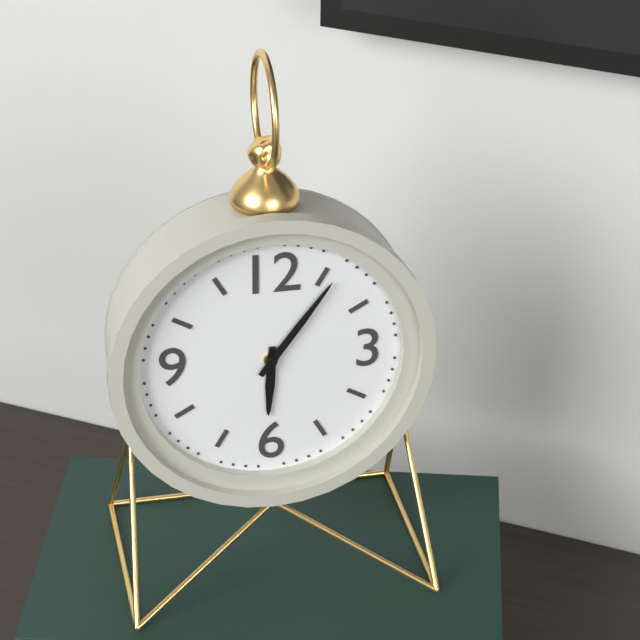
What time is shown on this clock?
6:06
